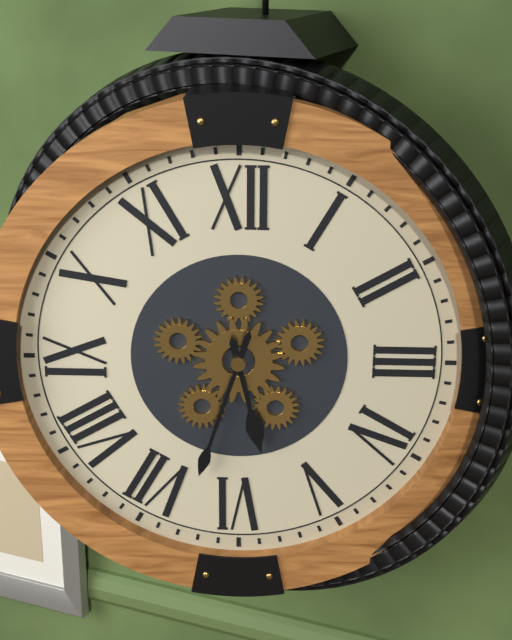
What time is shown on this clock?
5:33
